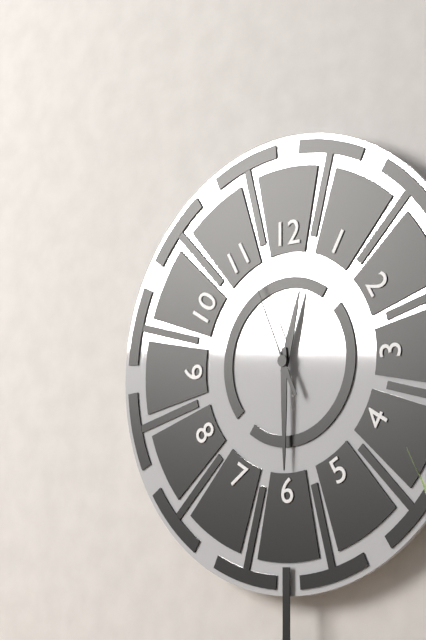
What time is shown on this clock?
12:30:56
